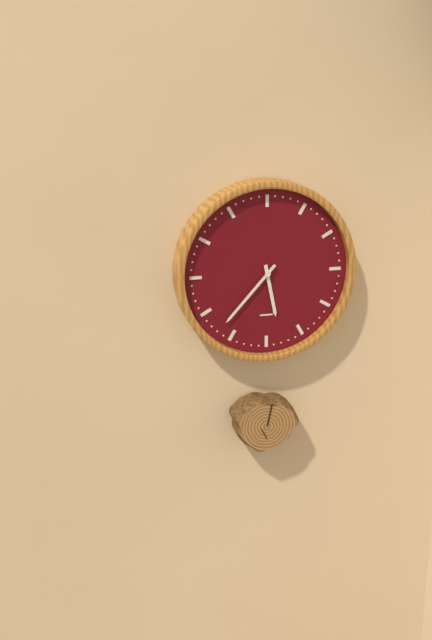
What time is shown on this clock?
5:37
